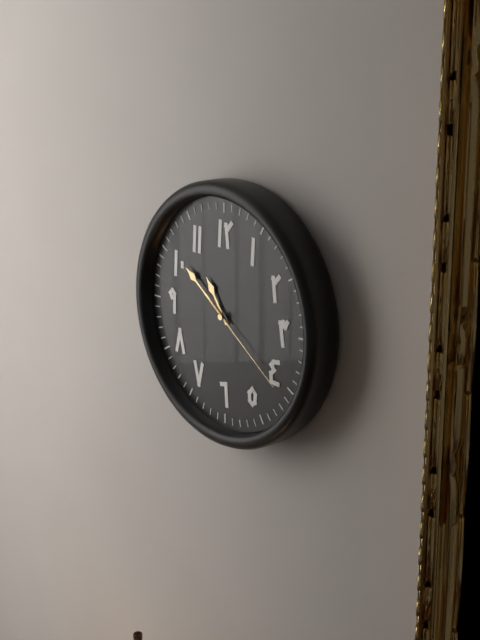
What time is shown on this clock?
10:51:21
